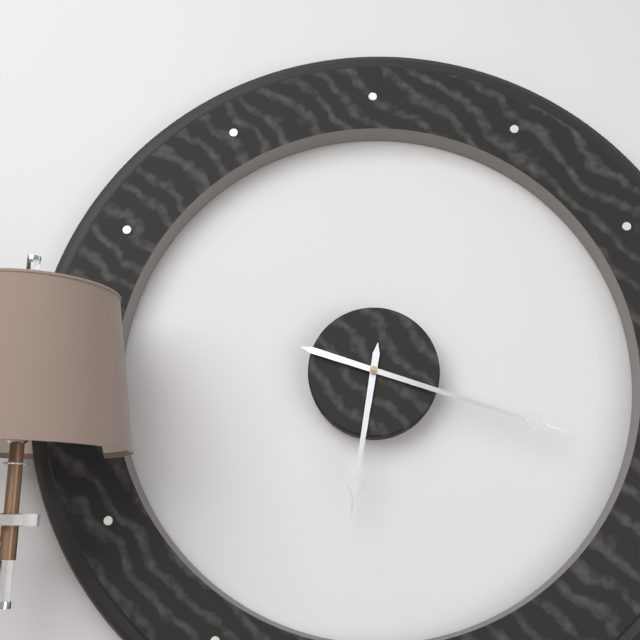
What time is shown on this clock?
6:18
